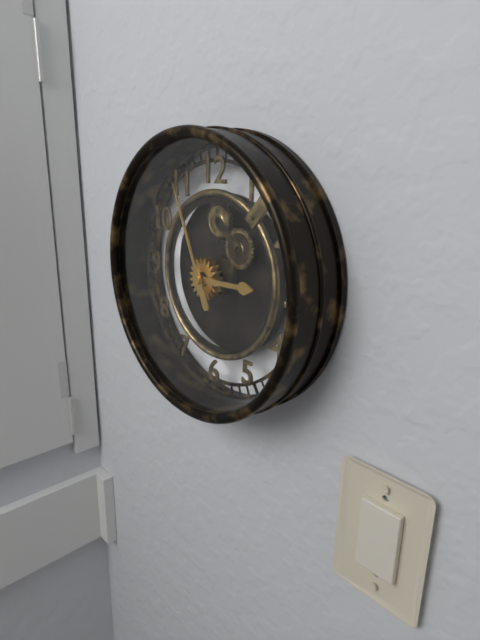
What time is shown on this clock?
2:56
